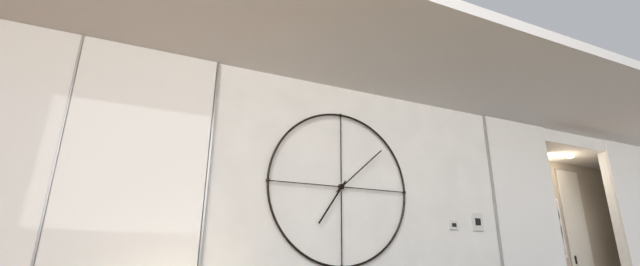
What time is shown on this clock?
7:08
